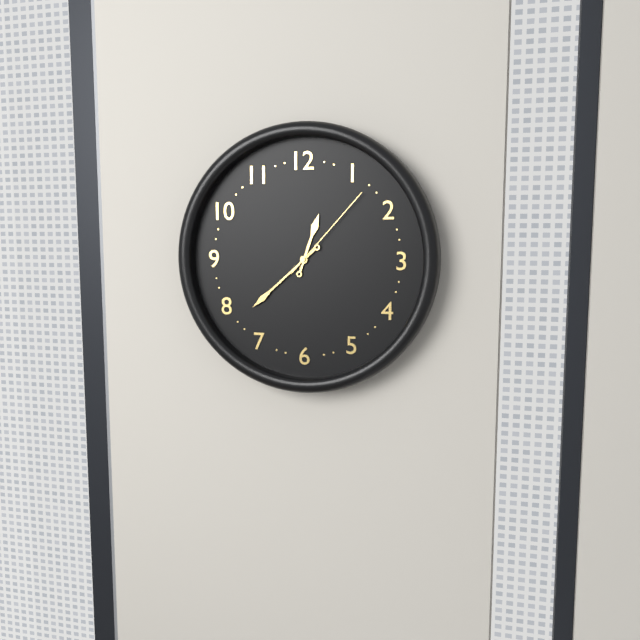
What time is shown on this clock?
12:38:07
